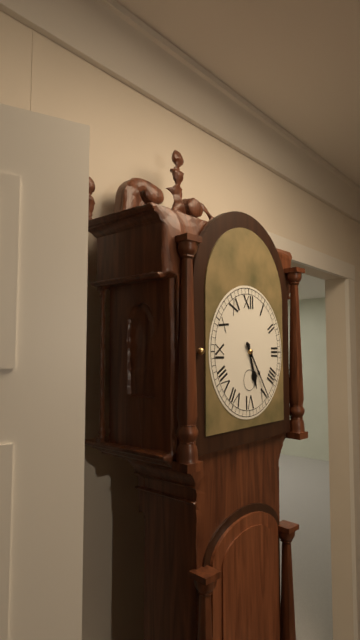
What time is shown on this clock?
5:24
